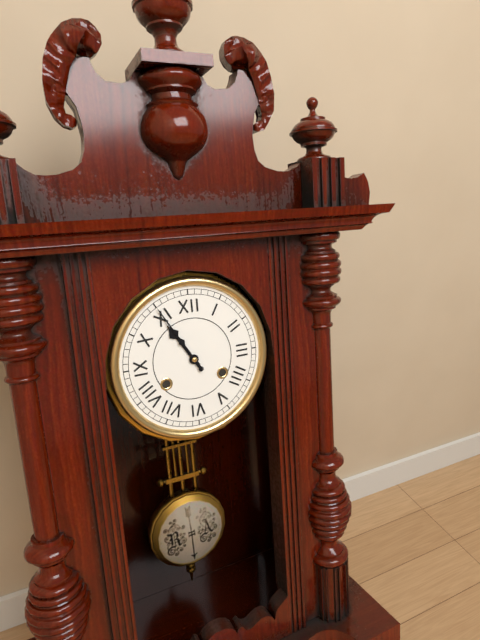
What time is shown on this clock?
10:55
